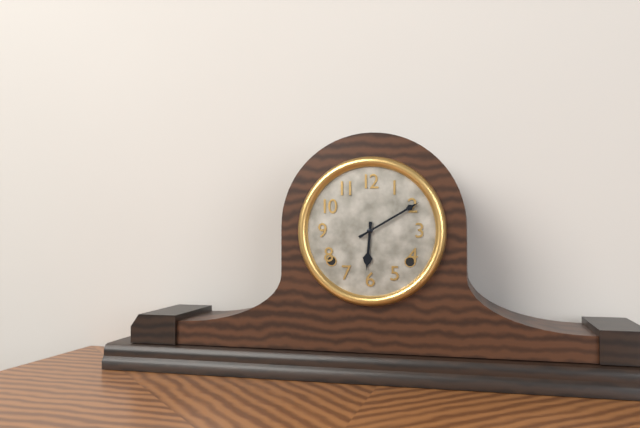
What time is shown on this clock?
6:10
